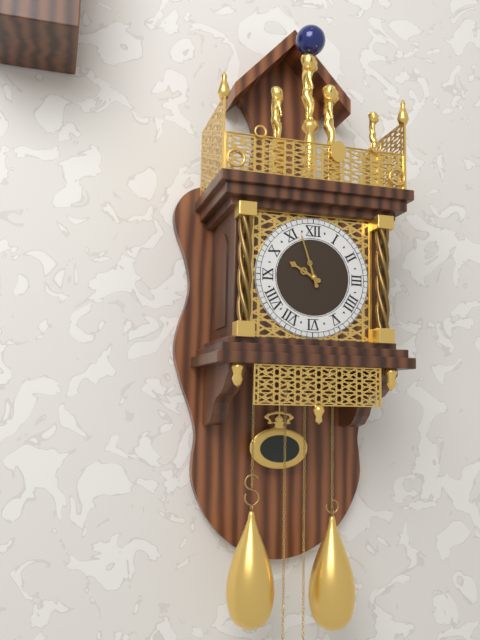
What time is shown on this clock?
9:57
